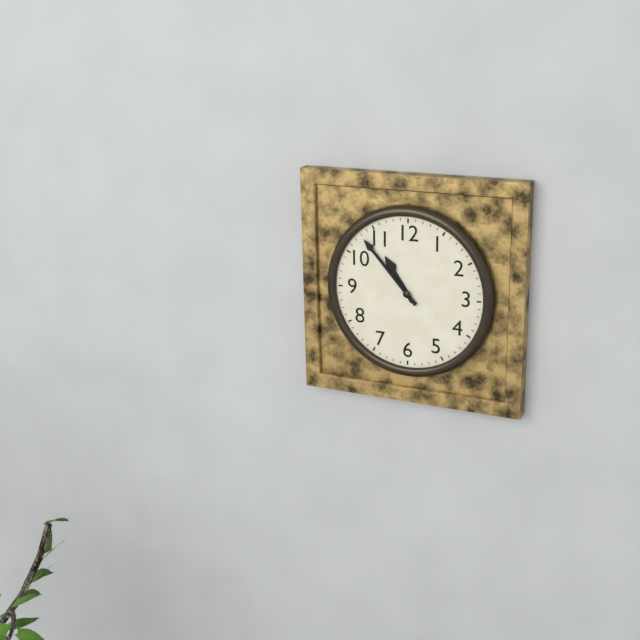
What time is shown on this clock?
10:53
